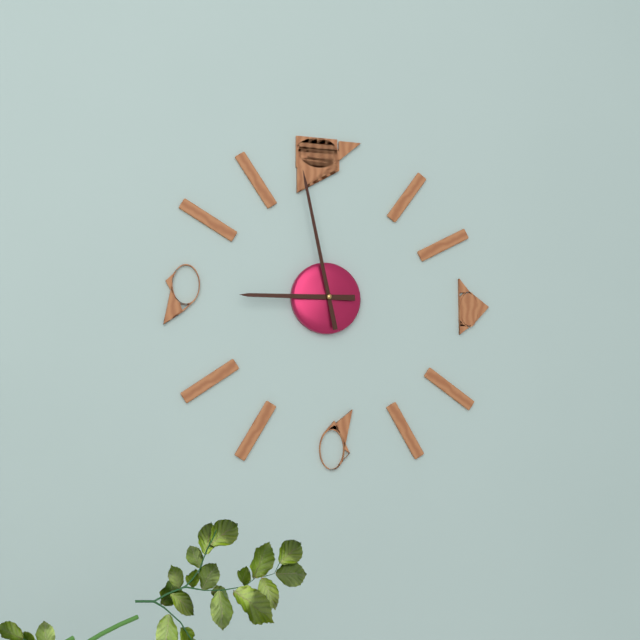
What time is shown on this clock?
8:58
